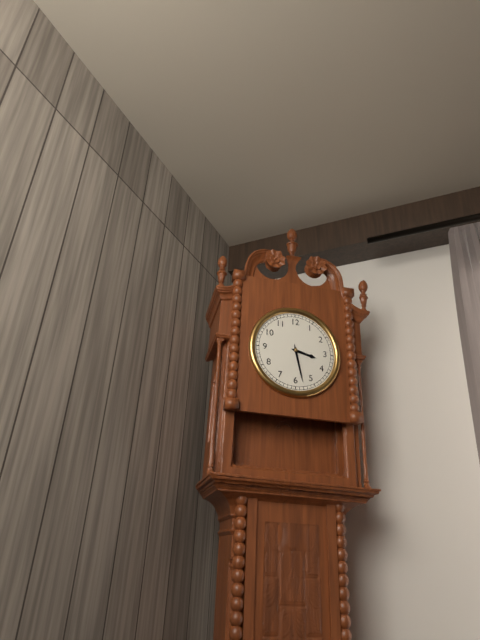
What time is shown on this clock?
3:28
